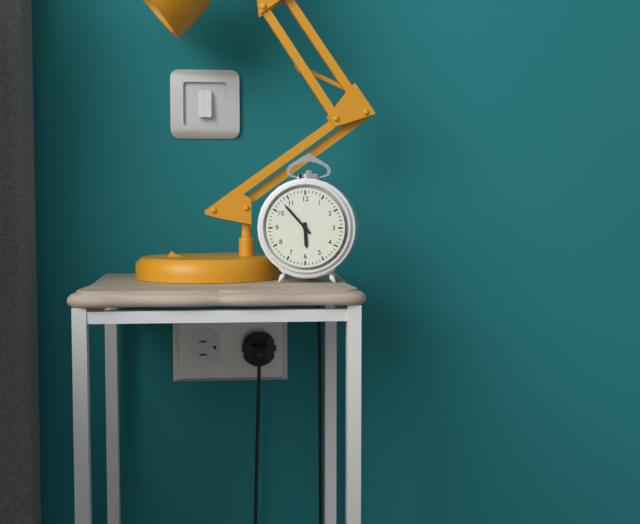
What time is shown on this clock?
5:53
